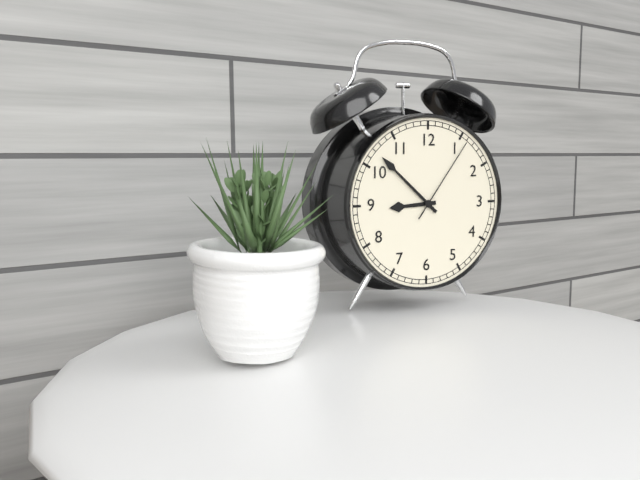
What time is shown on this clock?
8:52:06
